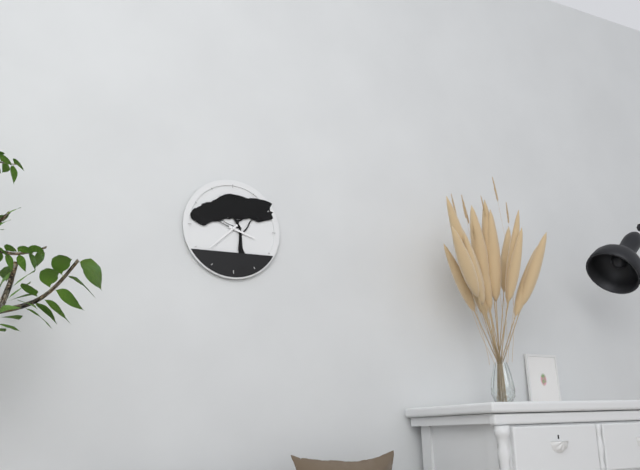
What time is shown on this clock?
3:38
